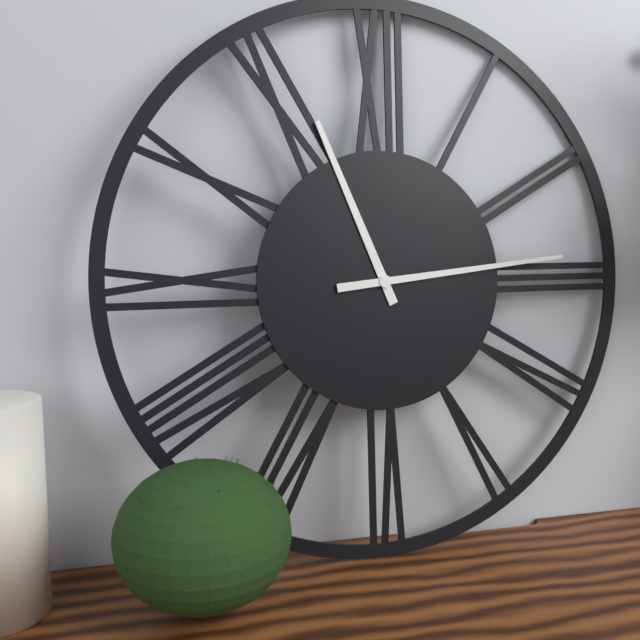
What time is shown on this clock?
11:14
